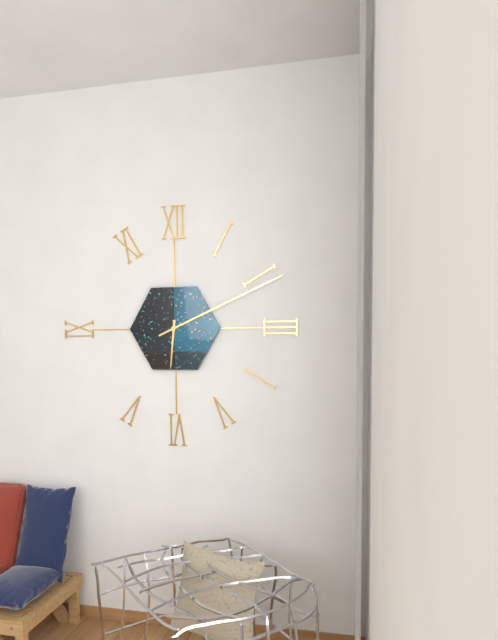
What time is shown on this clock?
6:11
